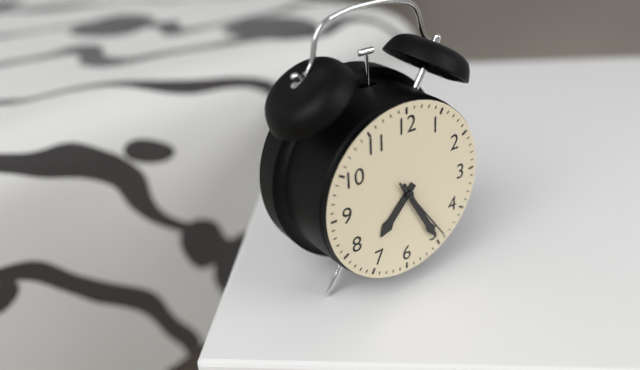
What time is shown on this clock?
7:25:24
